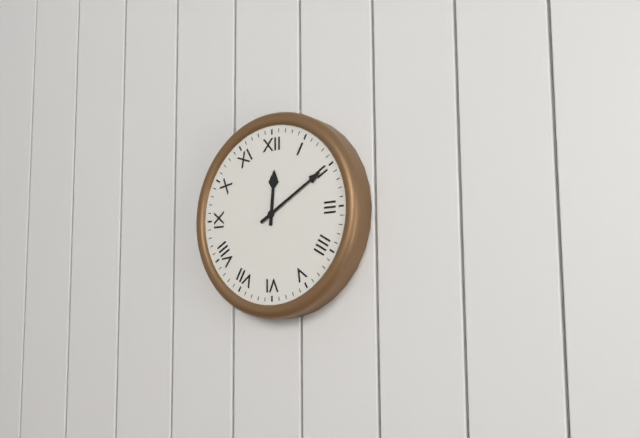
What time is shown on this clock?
12:10
